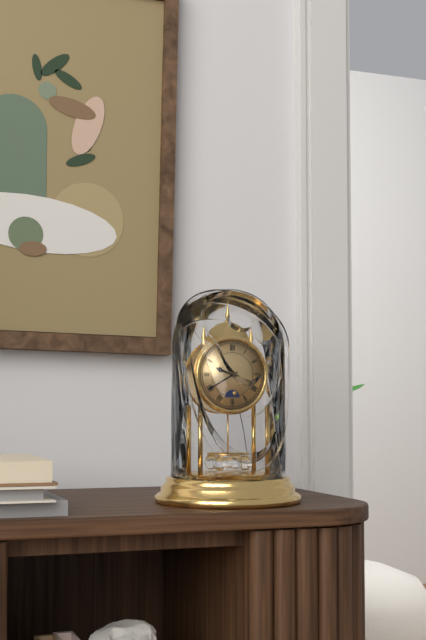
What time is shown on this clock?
9:40
